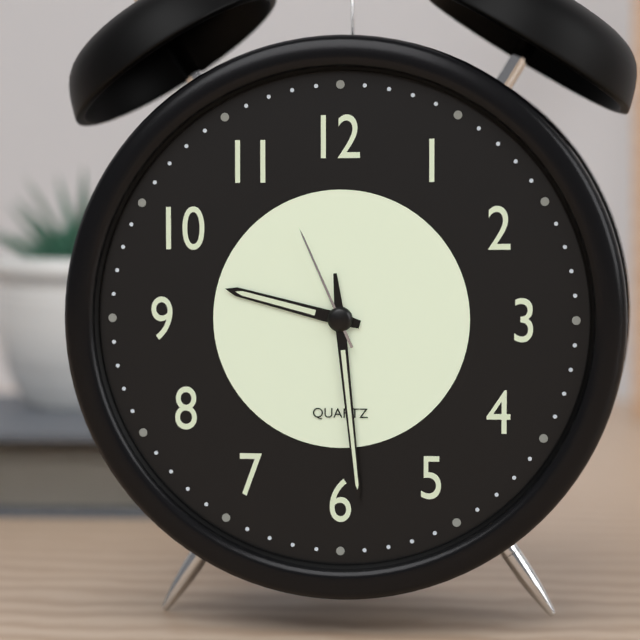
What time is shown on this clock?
9:29:56
